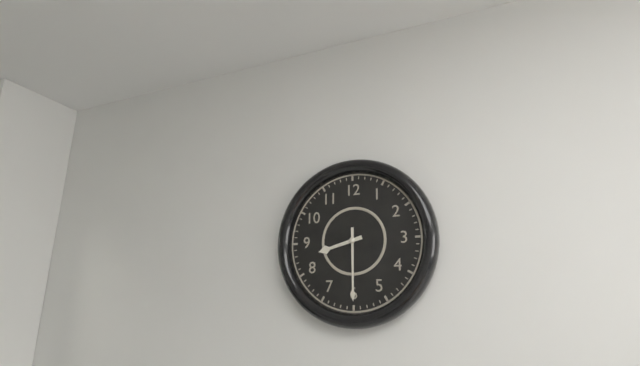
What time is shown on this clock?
8:30
